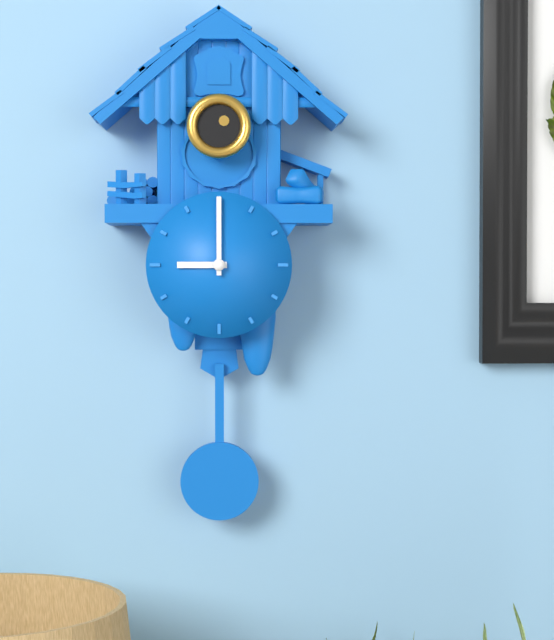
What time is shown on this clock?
9:00
